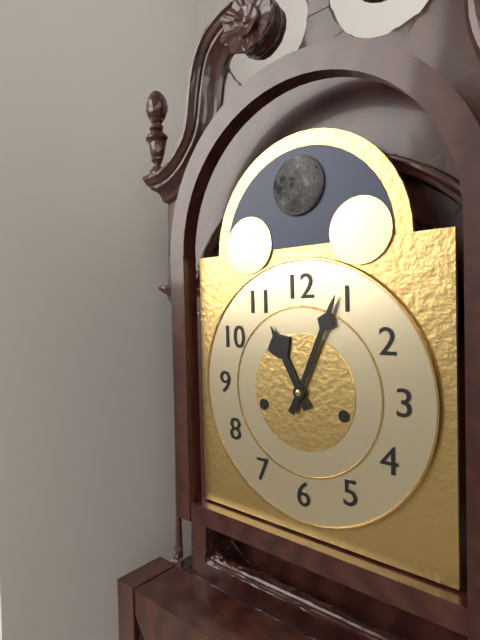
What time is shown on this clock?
11:04
